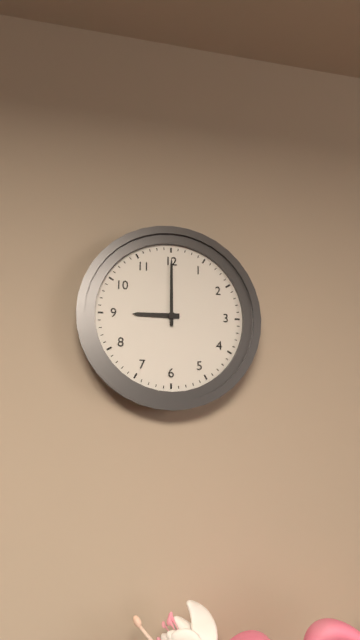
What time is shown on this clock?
9:00
